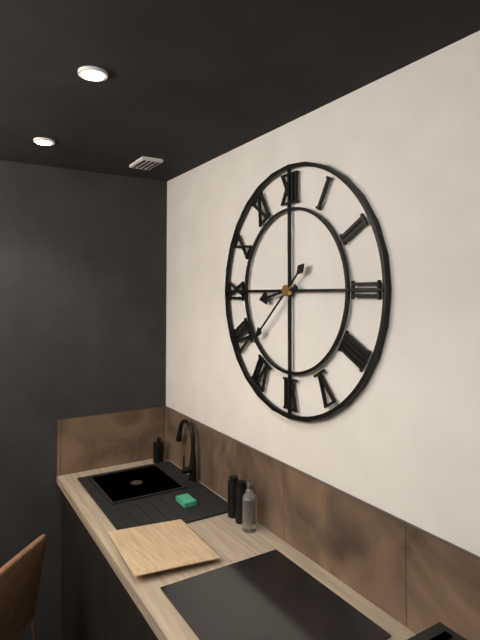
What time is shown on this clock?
8:38
